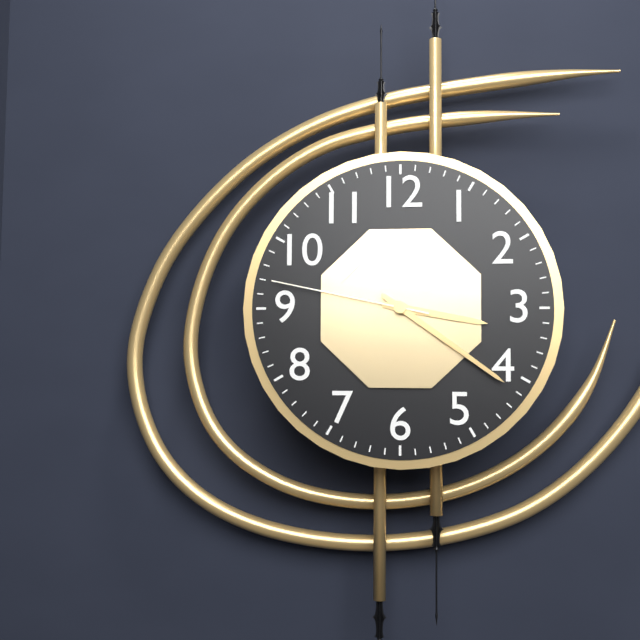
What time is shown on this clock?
3:21:47
